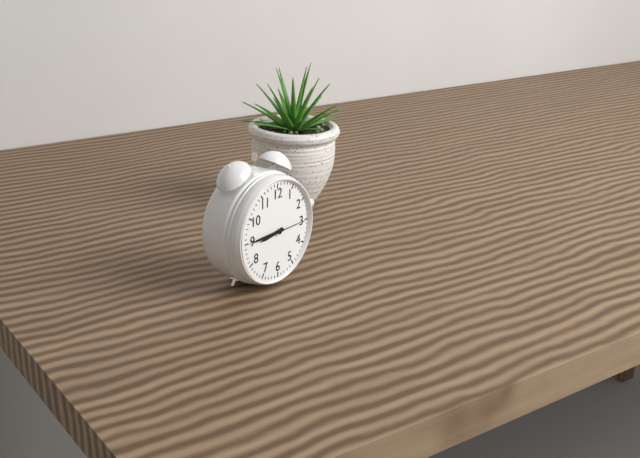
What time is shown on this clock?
8:45
